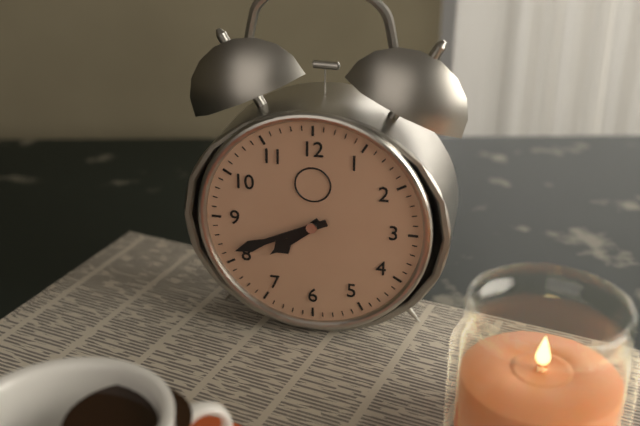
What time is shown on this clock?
7:41
